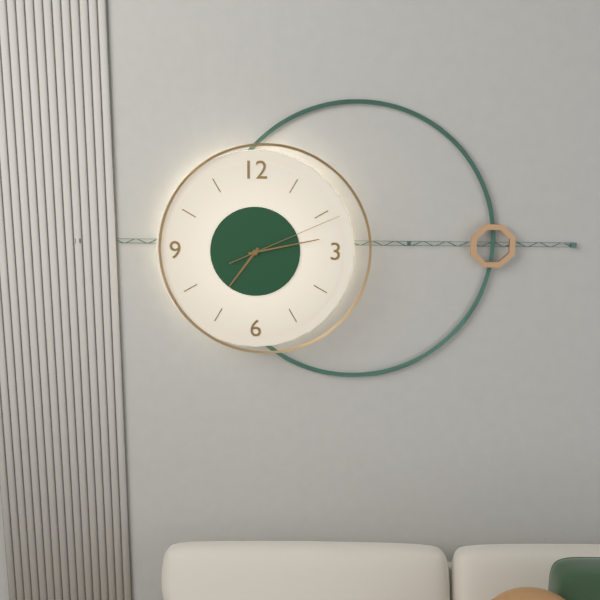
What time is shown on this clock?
7:13:11
